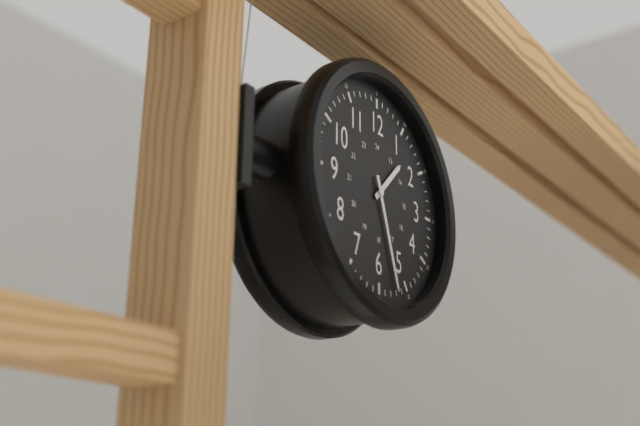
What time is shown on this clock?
1:27
